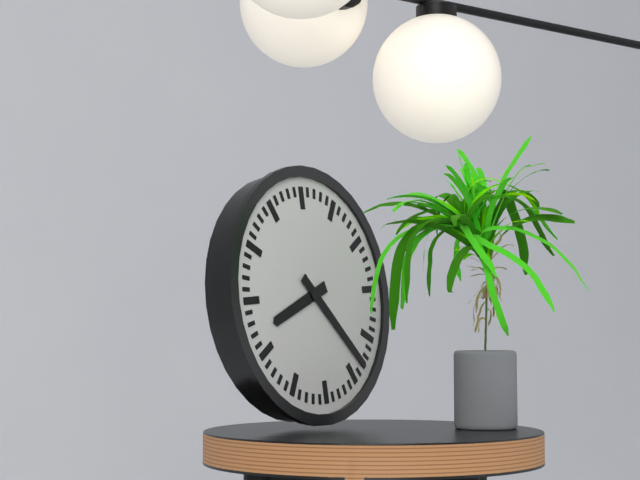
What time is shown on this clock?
8:23
